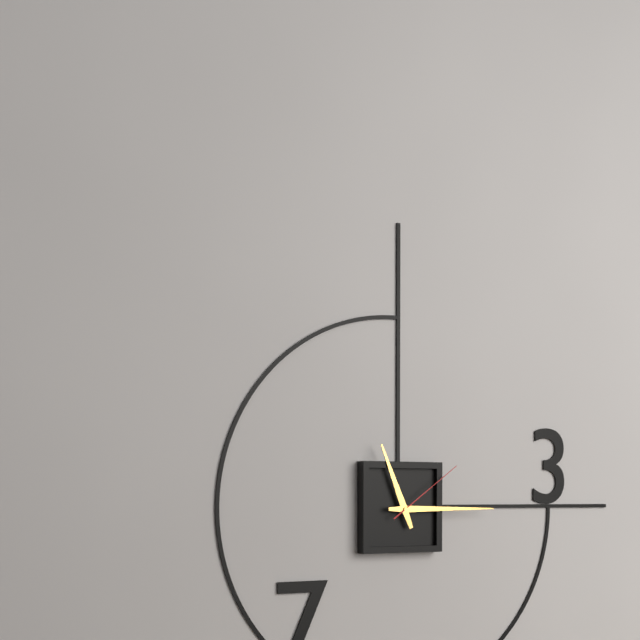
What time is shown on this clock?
11:15:09
